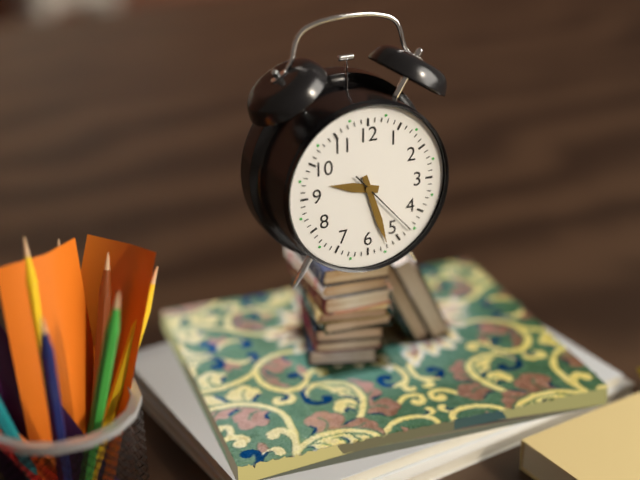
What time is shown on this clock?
9:27:23
